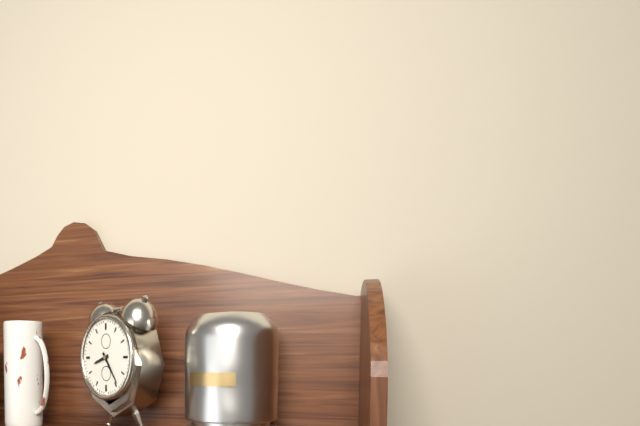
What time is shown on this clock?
8:24
